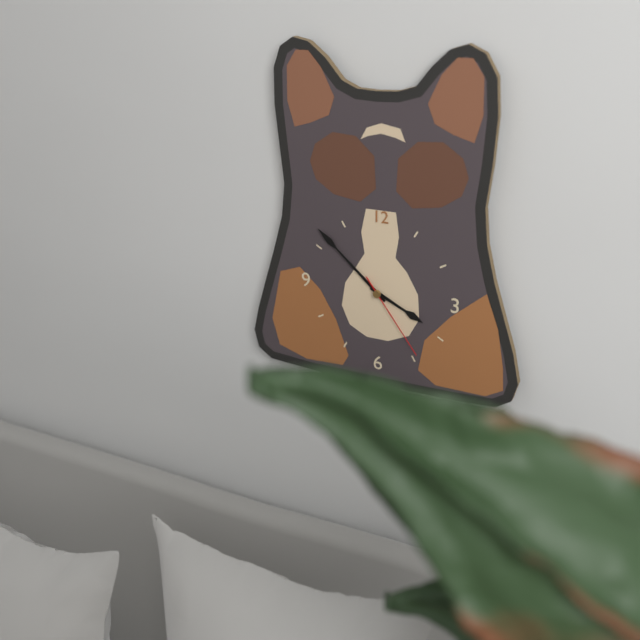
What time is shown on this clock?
3:52:24
